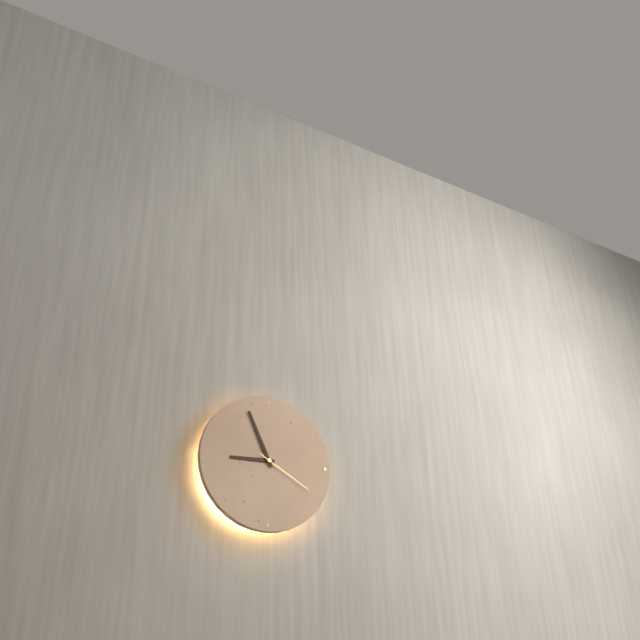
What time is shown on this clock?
8:56:20
